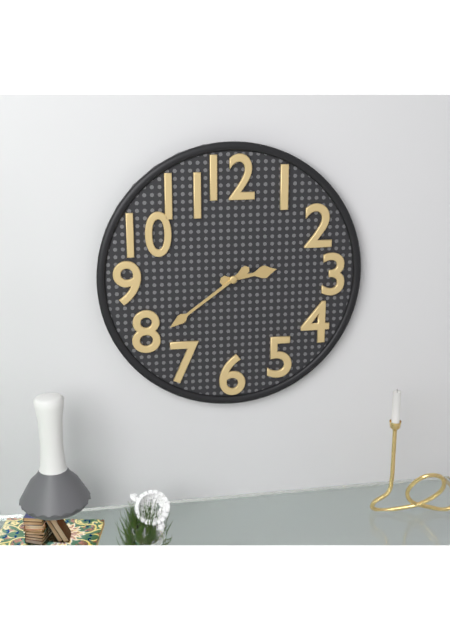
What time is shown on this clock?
2:39
